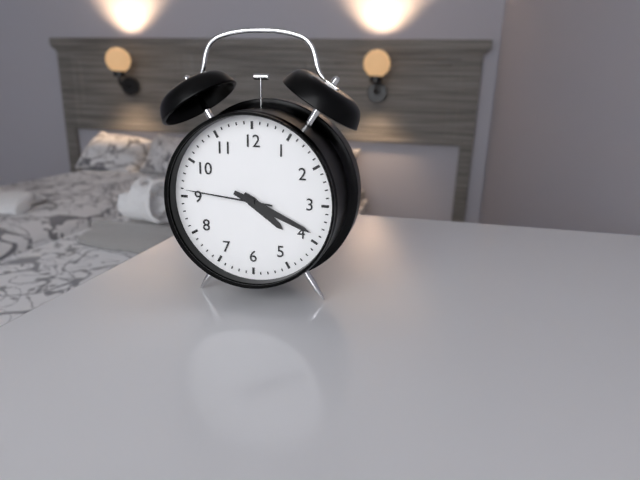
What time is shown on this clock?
4:19:46
